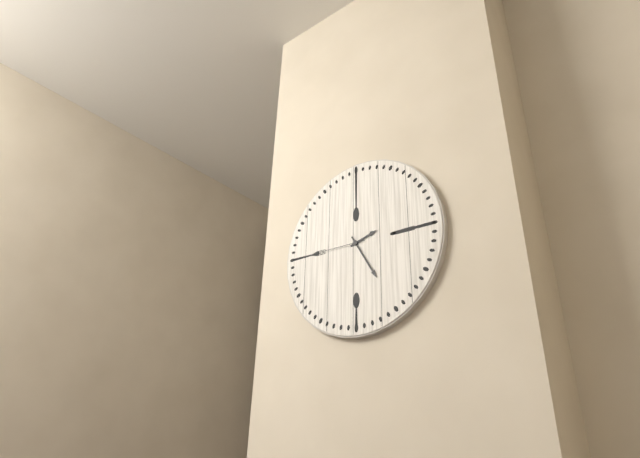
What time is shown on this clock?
2:25
